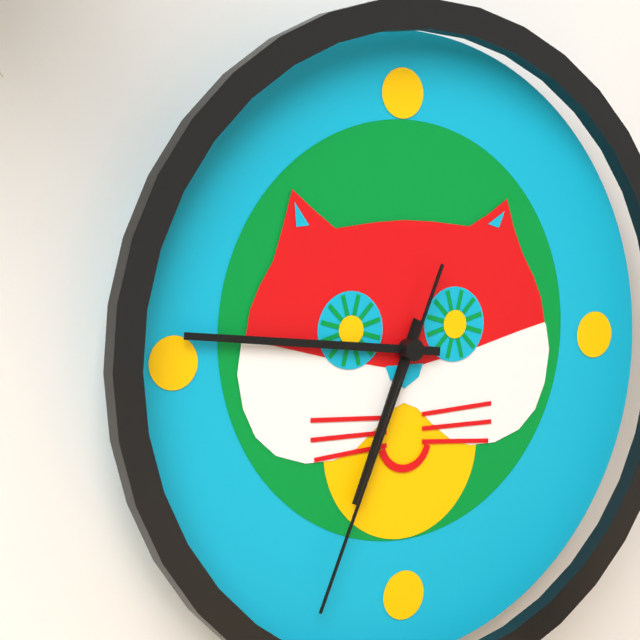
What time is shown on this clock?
6:46:34
